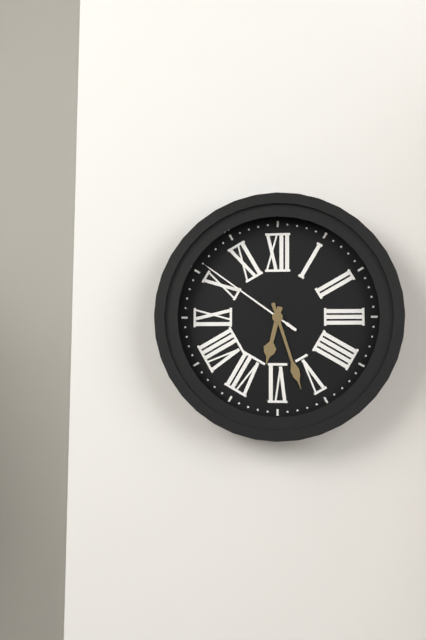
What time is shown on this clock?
6:27:51
